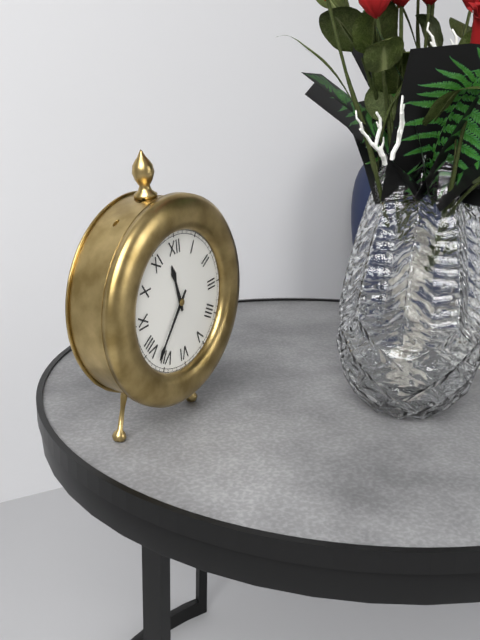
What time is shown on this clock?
11:37
